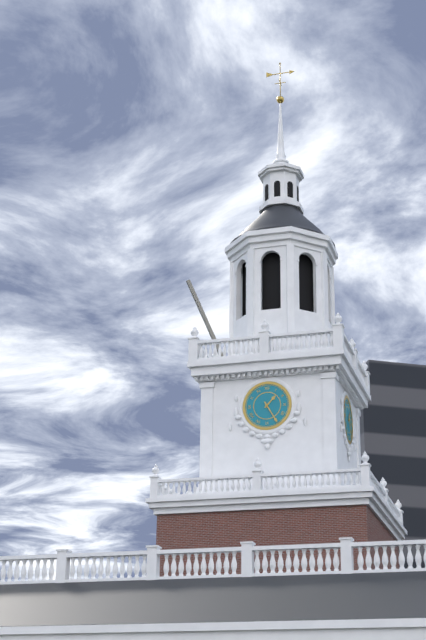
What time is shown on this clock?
1:25
